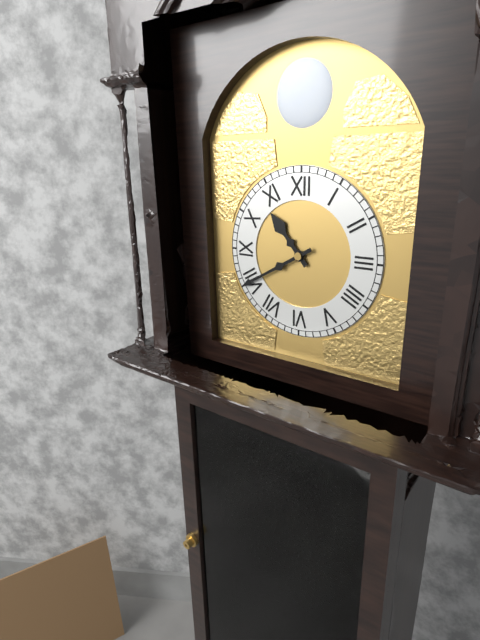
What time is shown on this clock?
10:40
